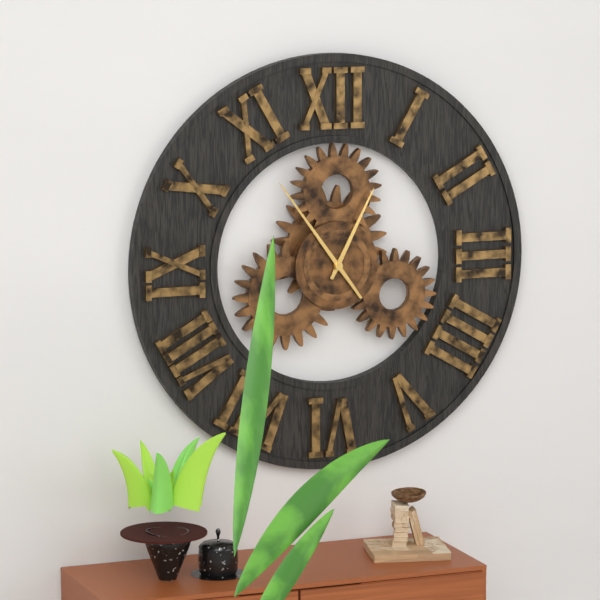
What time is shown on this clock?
12:54
